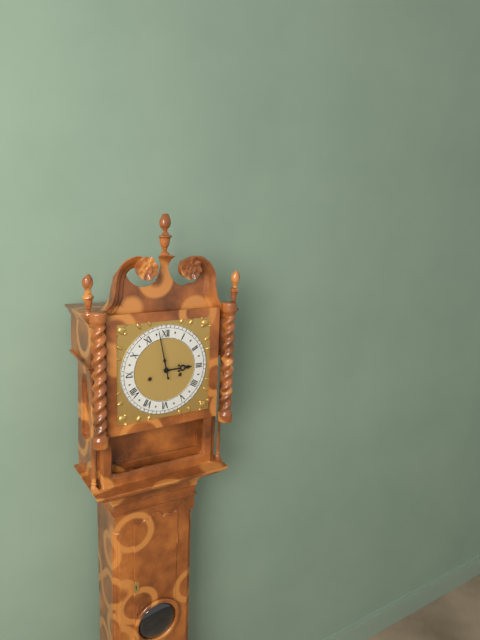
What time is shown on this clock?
2:58
